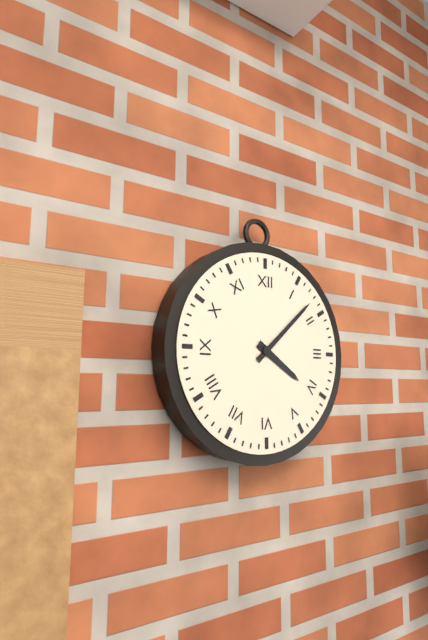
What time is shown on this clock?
4:08
